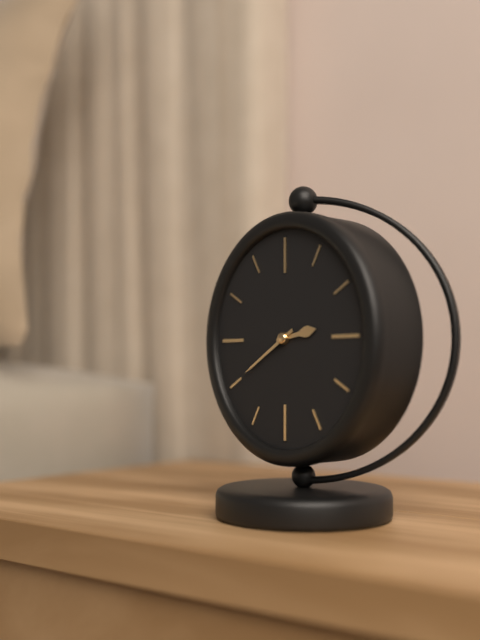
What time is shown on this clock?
2:40
